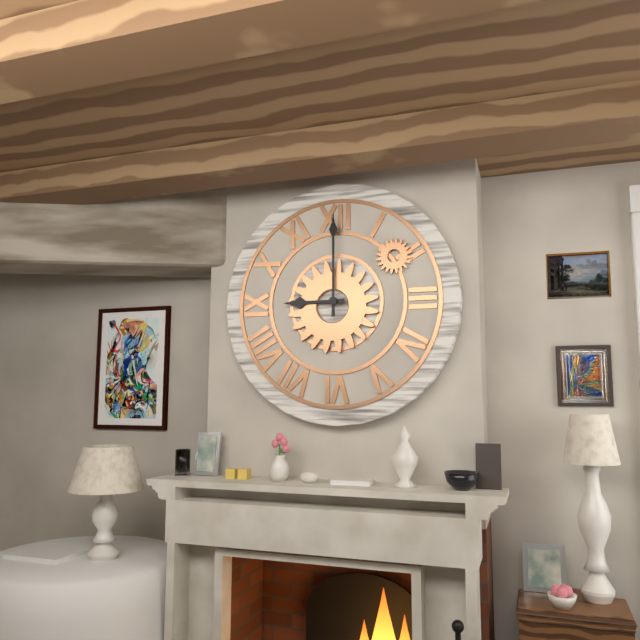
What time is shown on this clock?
9:00
